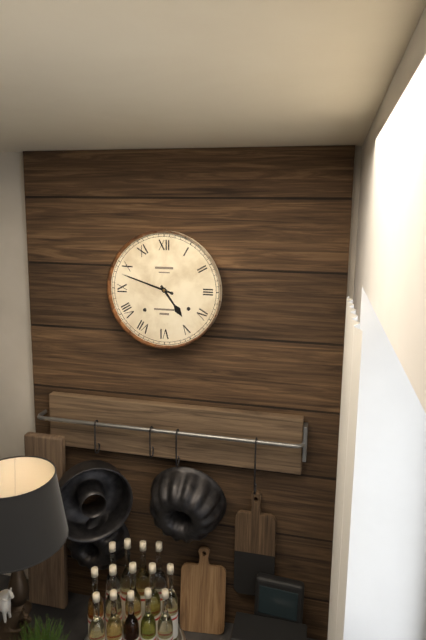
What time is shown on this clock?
4:48
